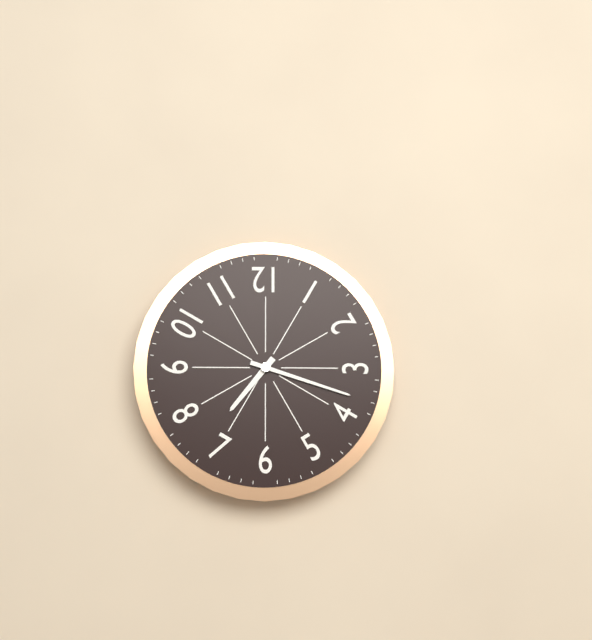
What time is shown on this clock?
7:18
